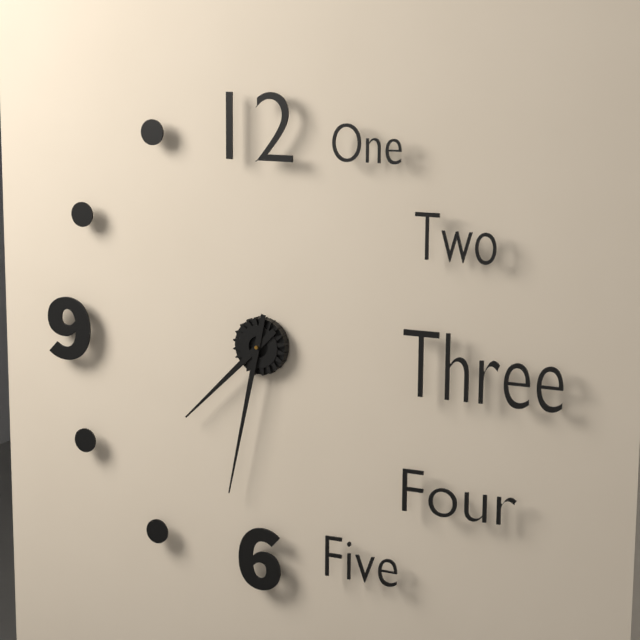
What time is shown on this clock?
7:32
